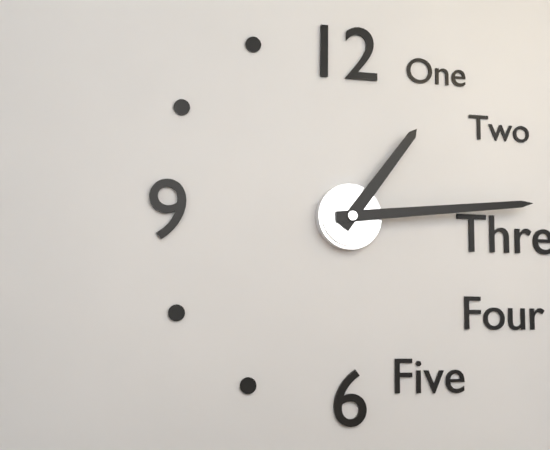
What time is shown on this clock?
1:14
